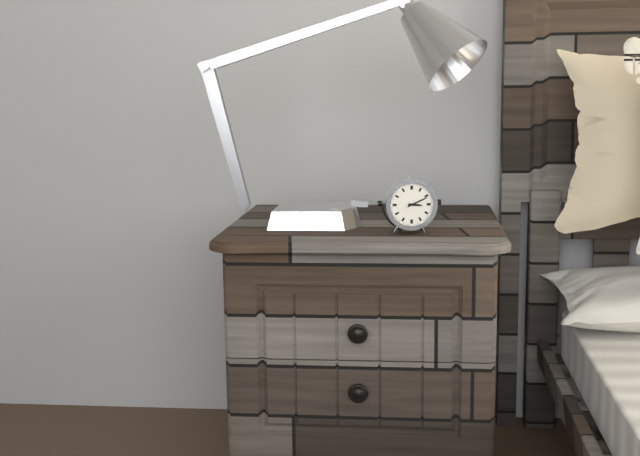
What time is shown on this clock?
3:11
